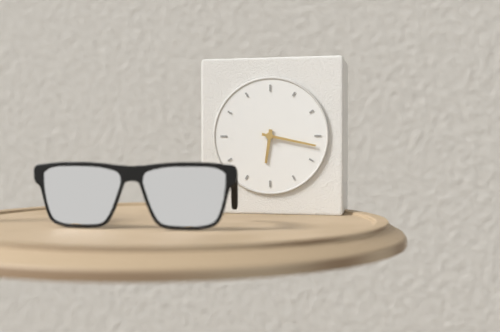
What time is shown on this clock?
6:17
